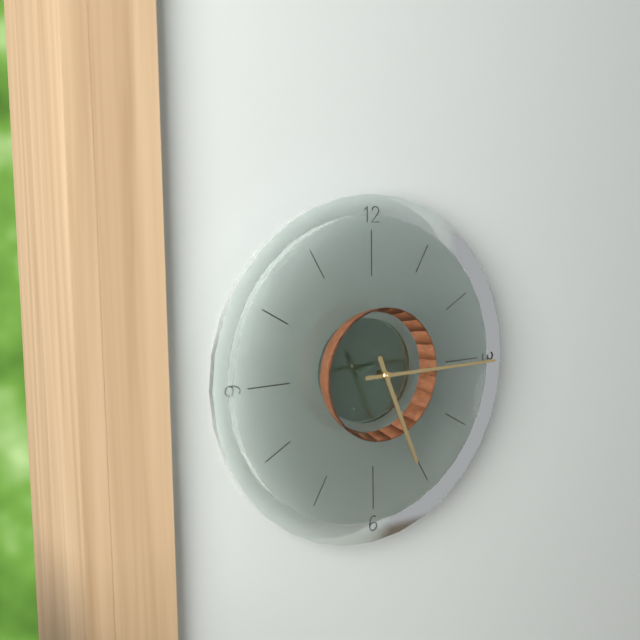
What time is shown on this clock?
5:15
